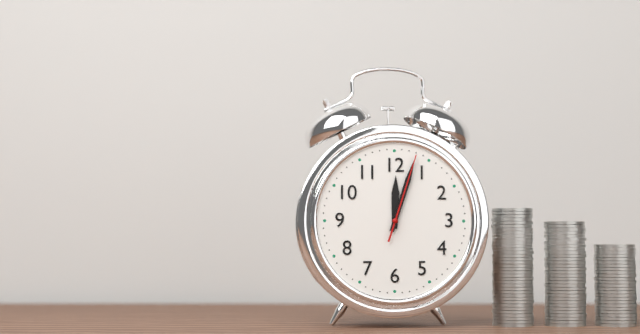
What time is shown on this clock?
12:03:03
